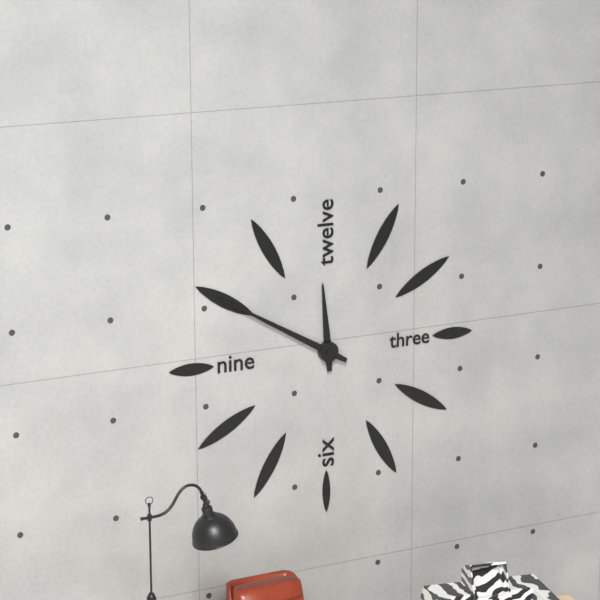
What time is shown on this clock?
11:50
